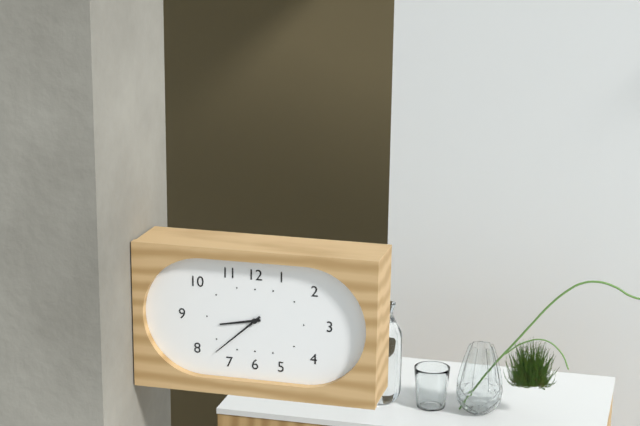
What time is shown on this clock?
8:38
